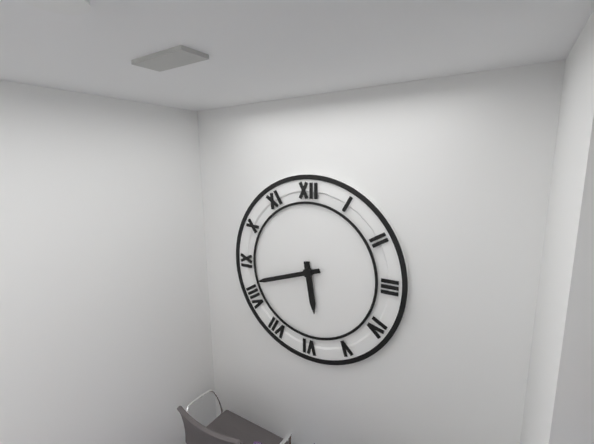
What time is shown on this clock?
5:42
